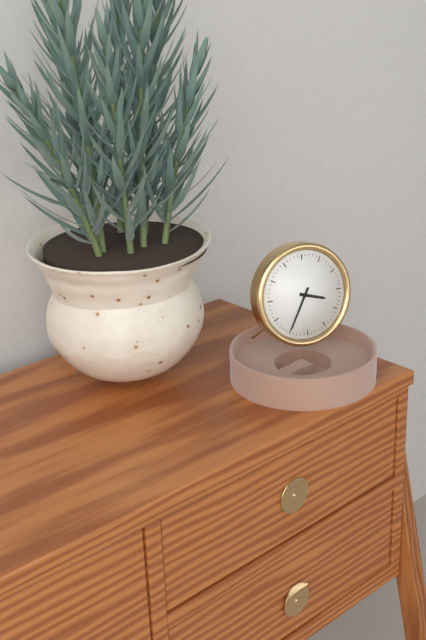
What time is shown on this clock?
3:35
